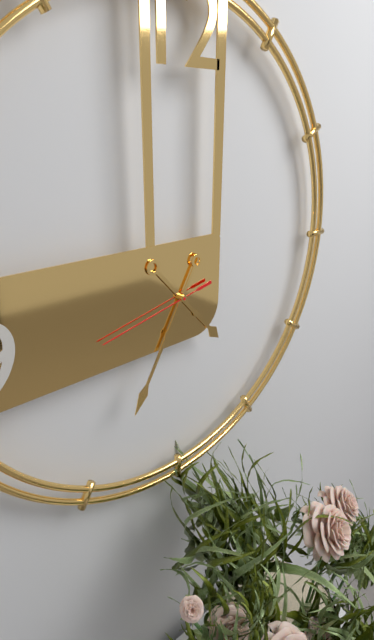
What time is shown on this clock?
4:35:43
